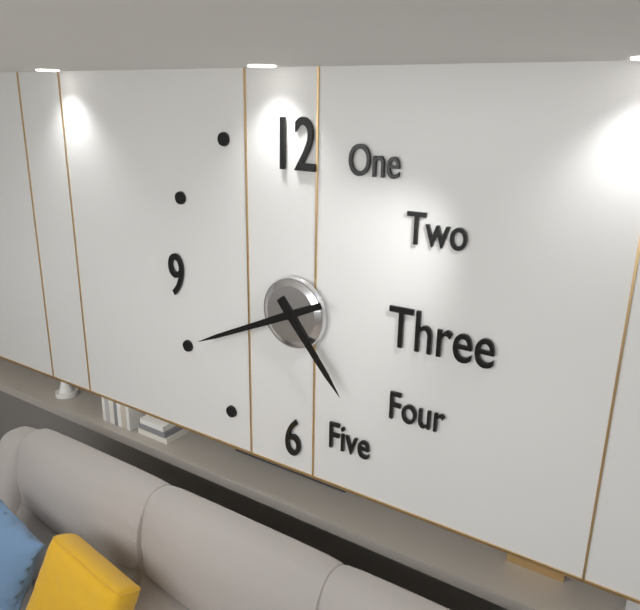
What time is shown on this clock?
4:41
